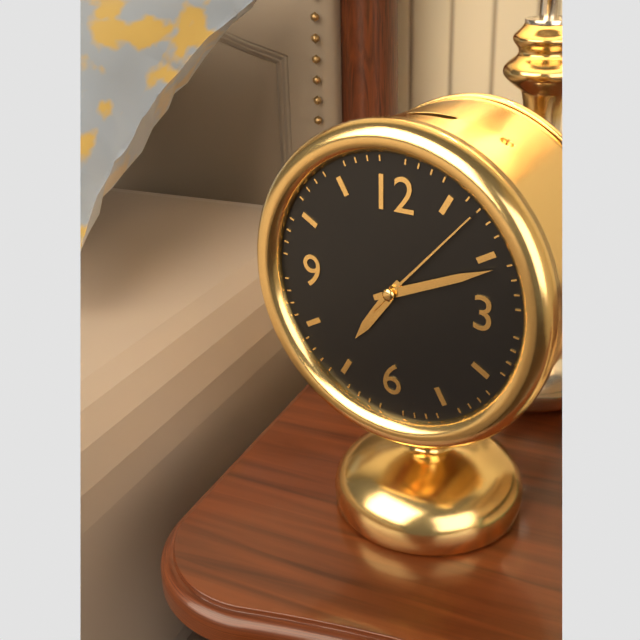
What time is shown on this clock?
7:11:07
